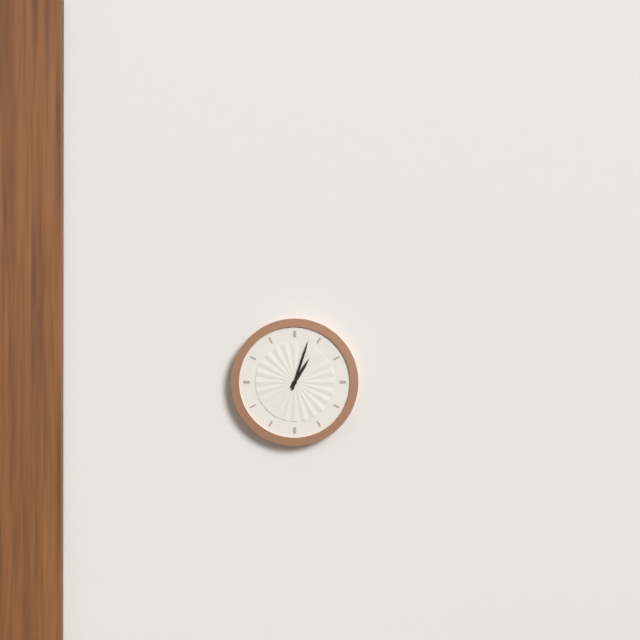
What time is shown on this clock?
1:03
